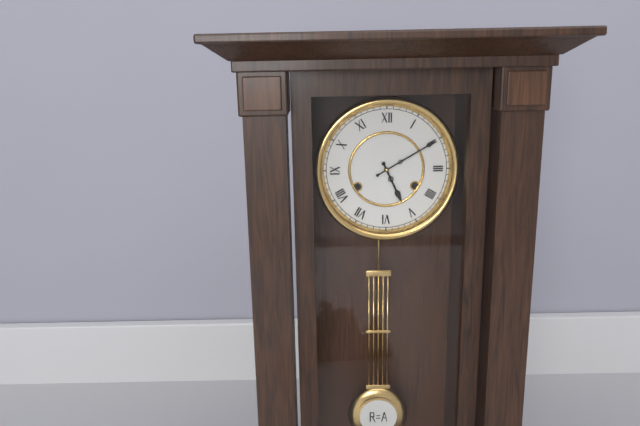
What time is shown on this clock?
5:10
